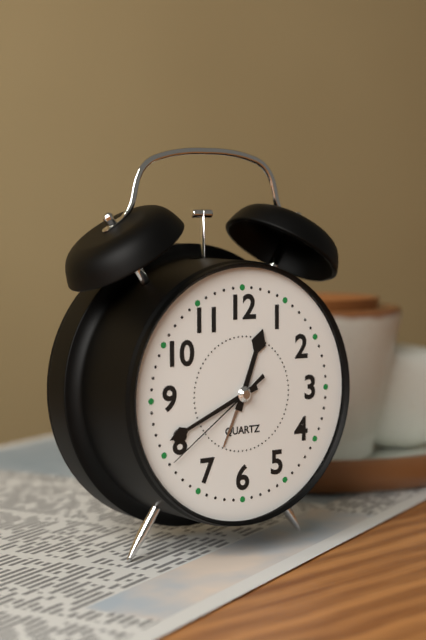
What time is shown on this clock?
12:41:39
